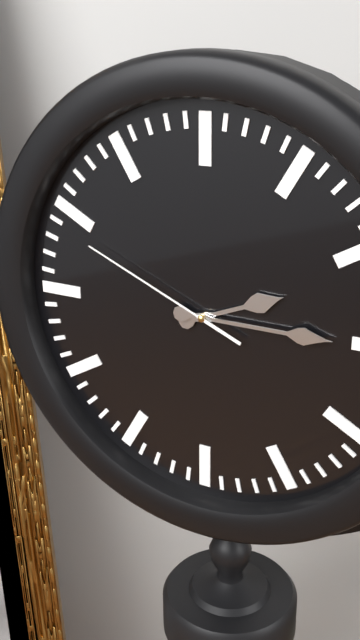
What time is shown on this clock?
2:15:49
